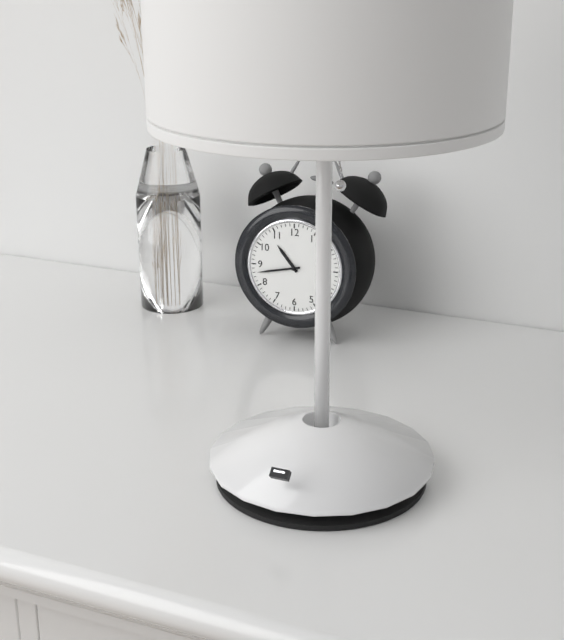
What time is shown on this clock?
10:43
